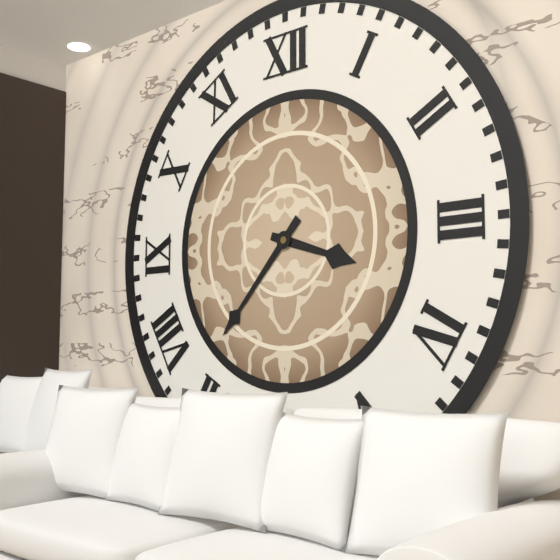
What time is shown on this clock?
3:37
